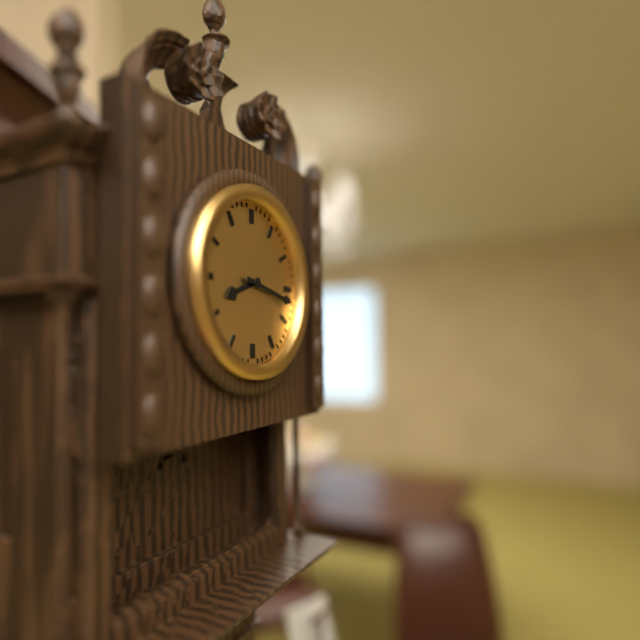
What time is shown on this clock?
8:17
